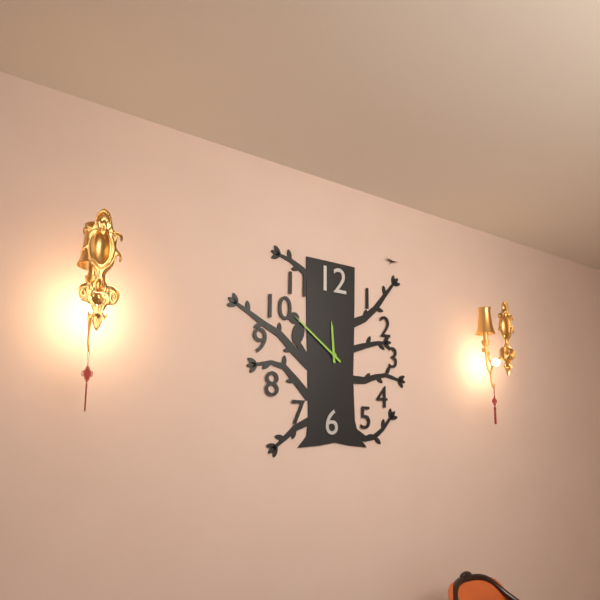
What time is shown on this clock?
11:51
